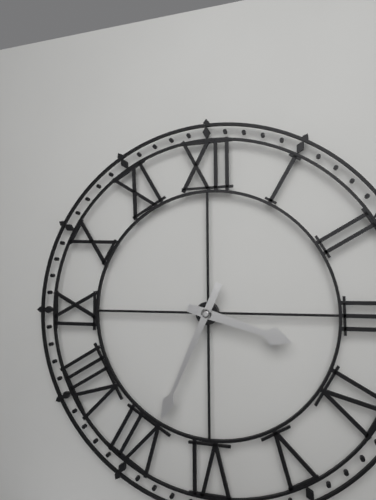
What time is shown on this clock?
3:34
